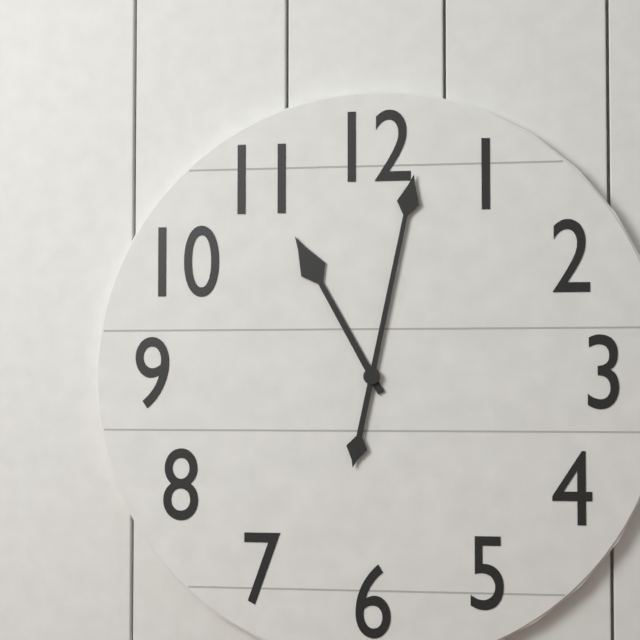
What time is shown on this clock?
11:02
